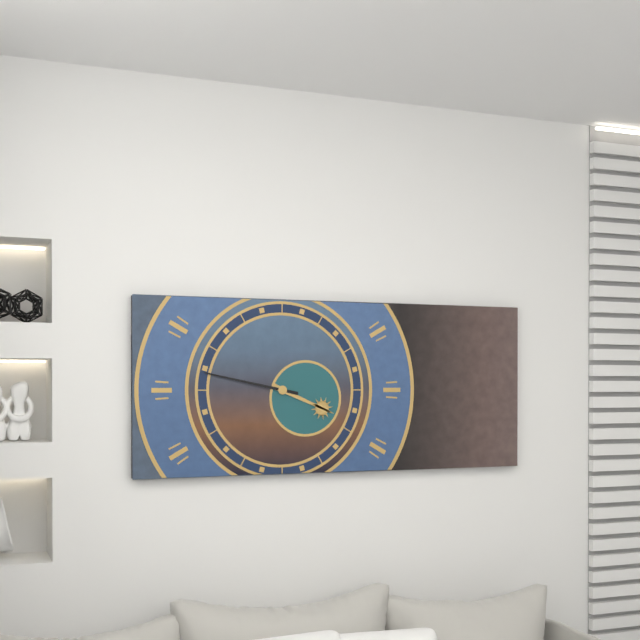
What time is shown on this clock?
3:47
